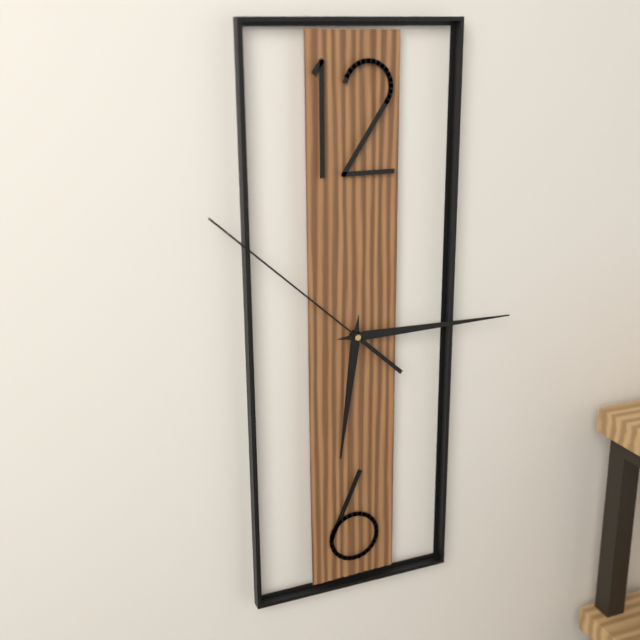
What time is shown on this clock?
6:15:52
